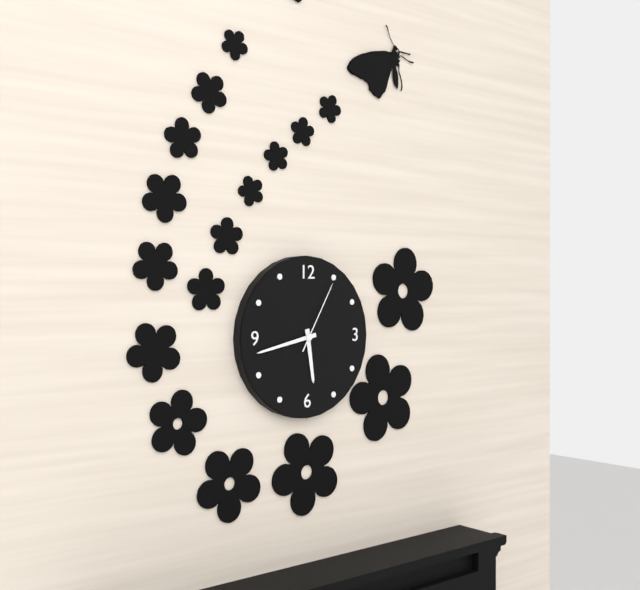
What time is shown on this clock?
5:43:05
